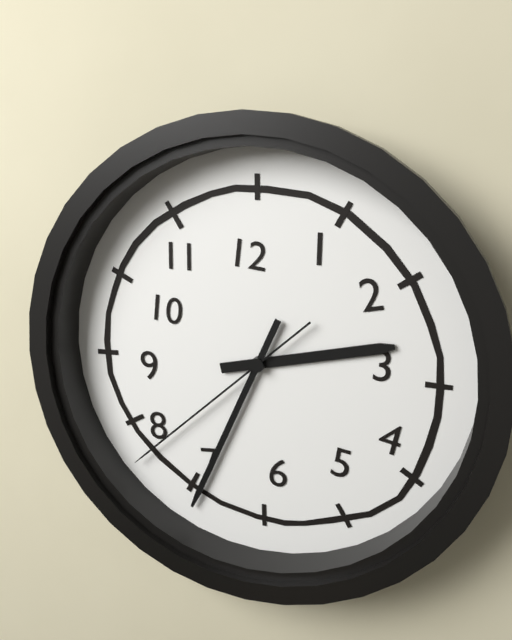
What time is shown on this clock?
2:34:38
